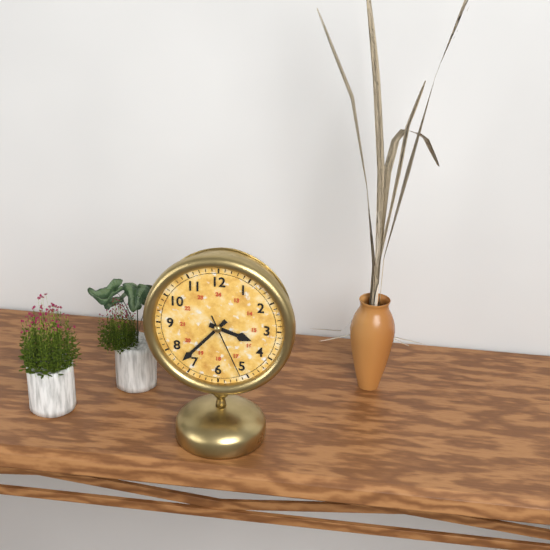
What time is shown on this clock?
3:37:26
